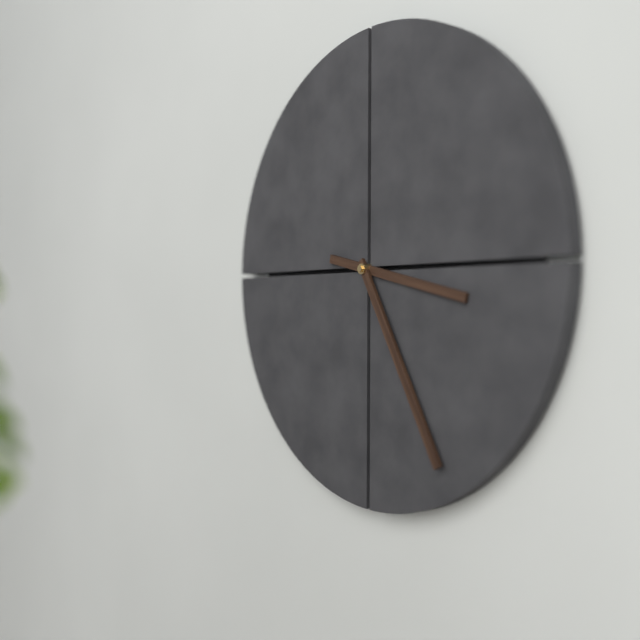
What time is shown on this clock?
3:25
